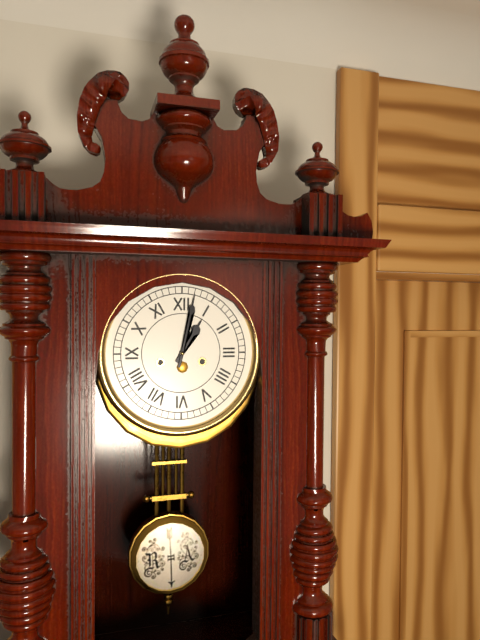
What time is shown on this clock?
1:02
